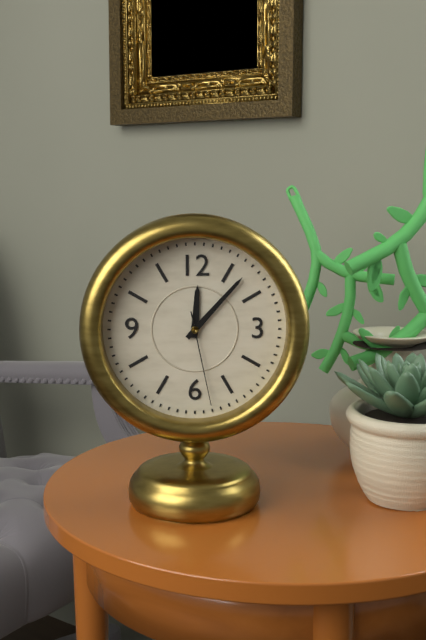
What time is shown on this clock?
12:07:28
